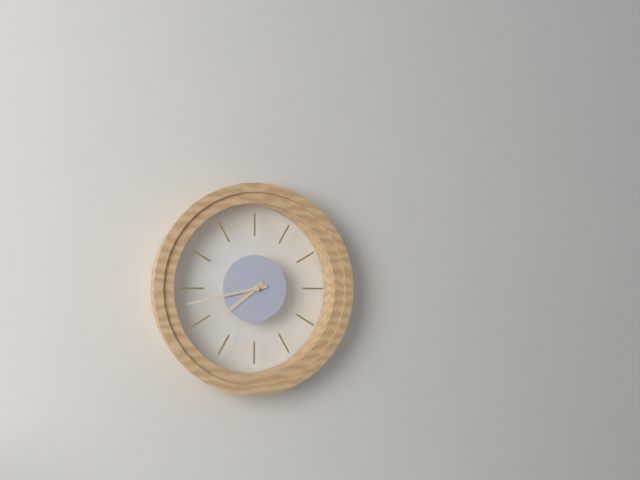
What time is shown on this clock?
7:43
